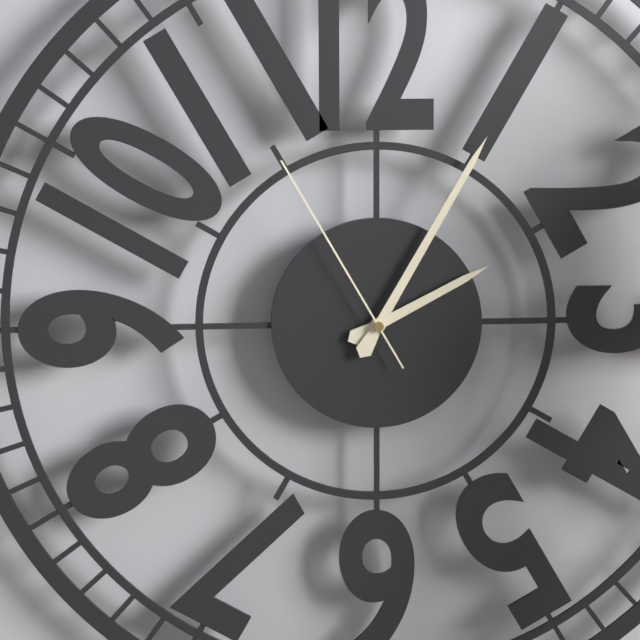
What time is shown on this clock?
2:05:55
